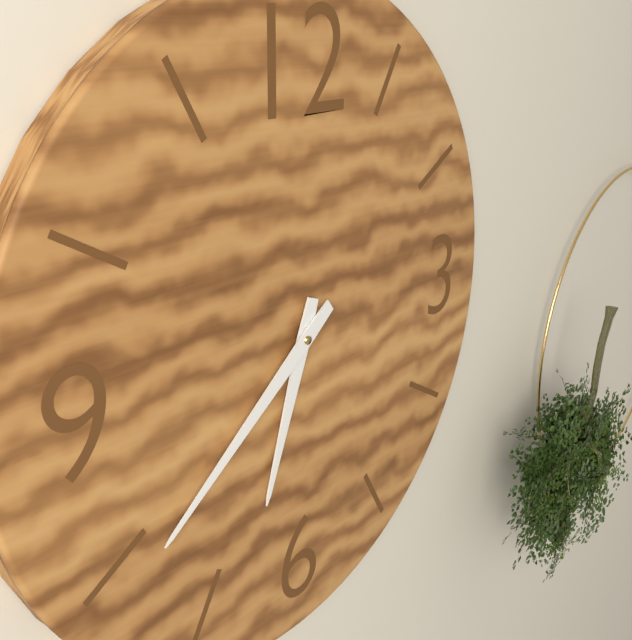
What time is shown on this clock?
6:39
